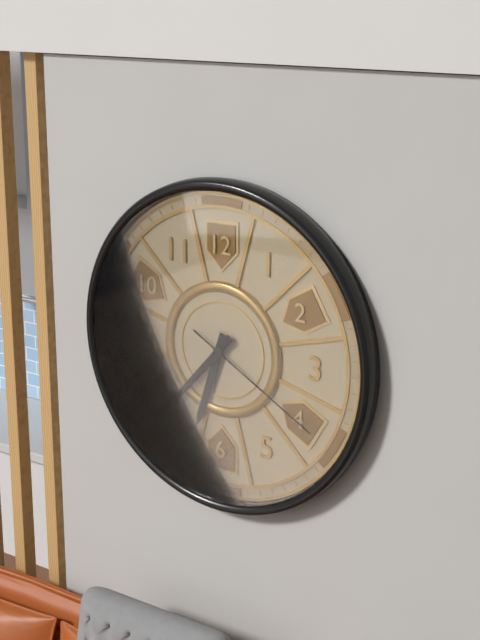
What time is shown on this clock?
6:37:20
